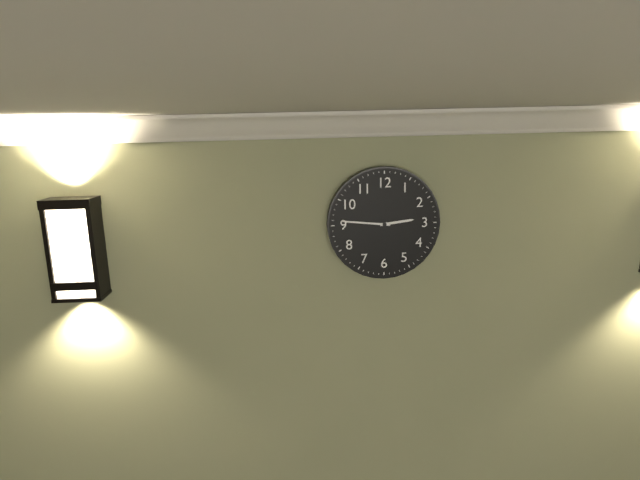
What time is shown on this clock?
2:46
